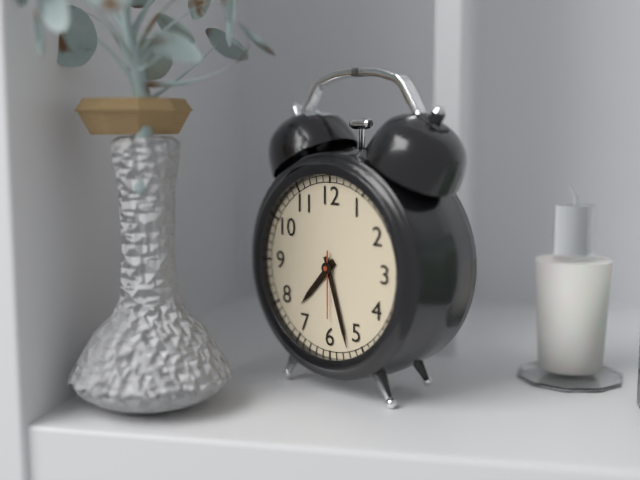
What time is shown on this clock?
7:27:30
